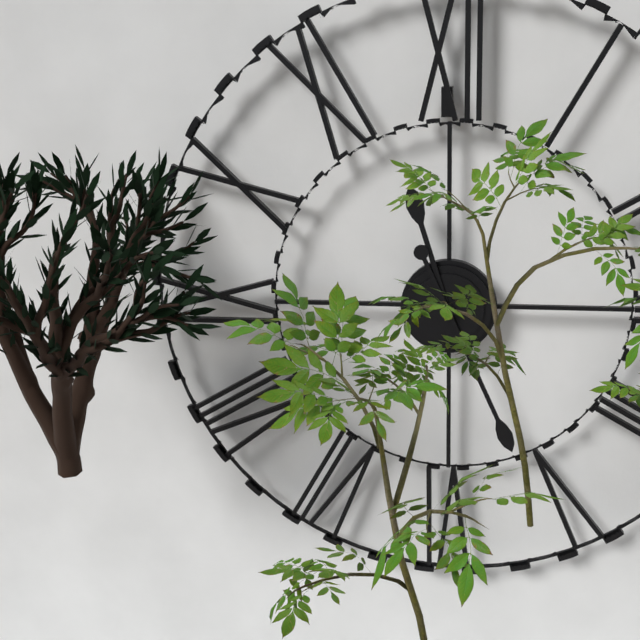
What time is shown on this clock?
11:26
